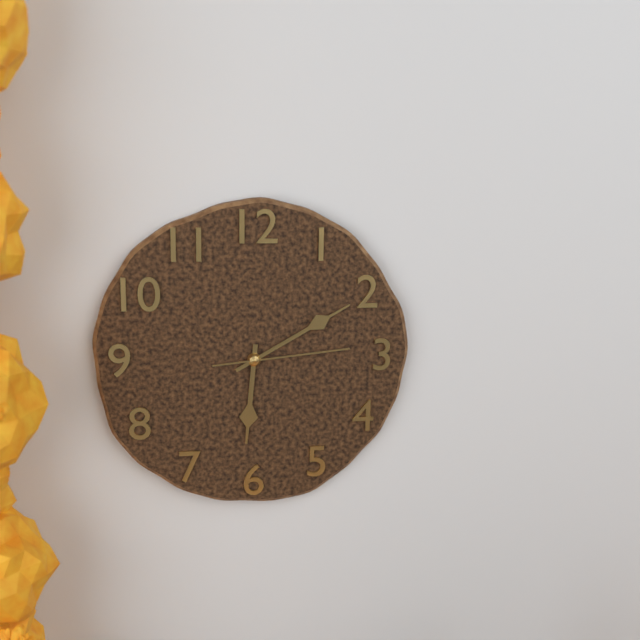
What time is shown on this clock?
6:10:14
